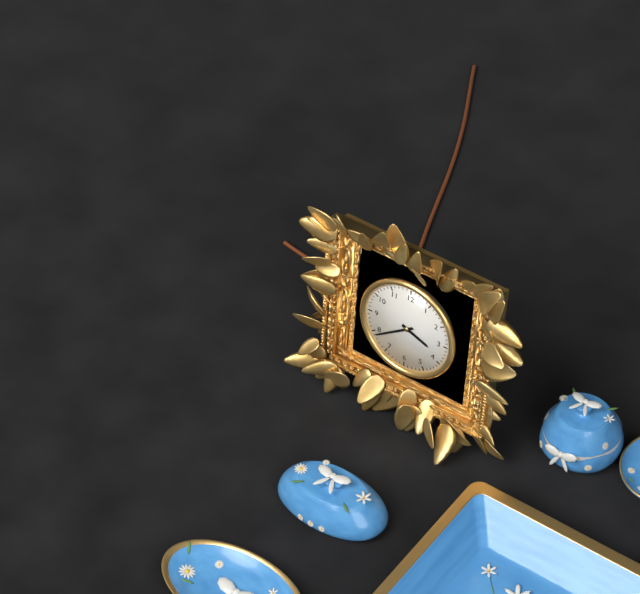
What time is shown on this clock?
3:39
